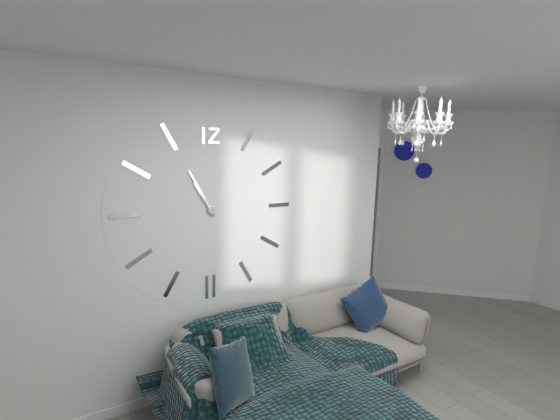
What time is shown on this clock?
10:55
